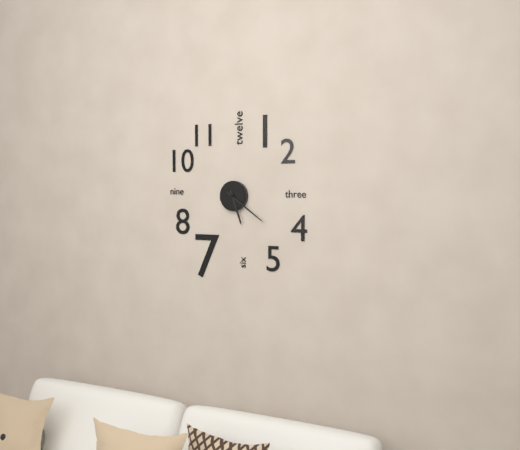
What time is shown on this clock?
5:21
